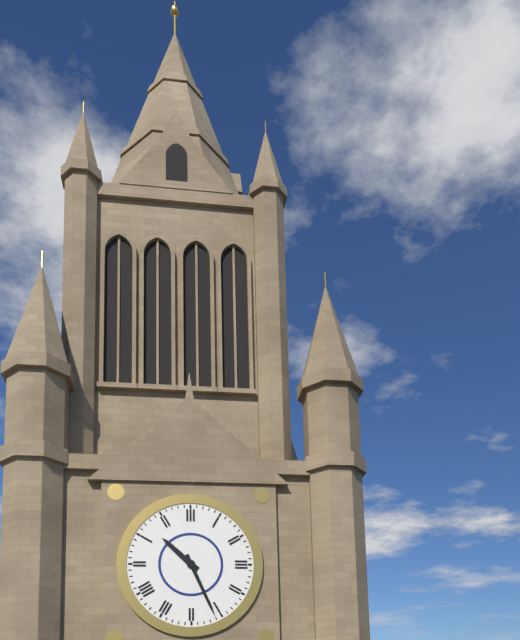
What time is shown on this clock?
10:26
